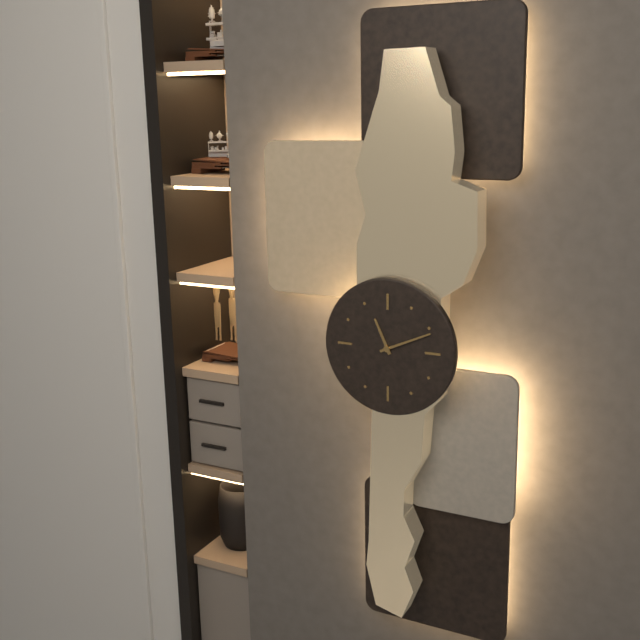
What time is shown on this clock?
11:11
